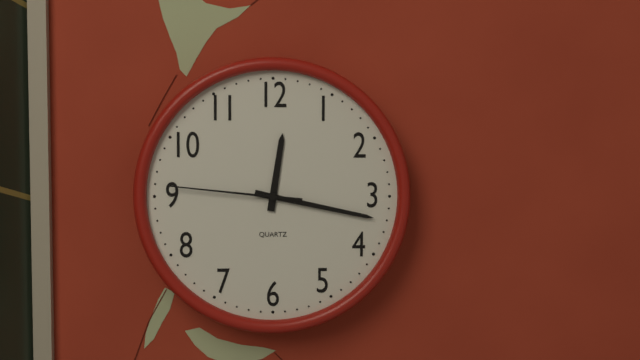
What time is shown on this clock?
12:17:46
